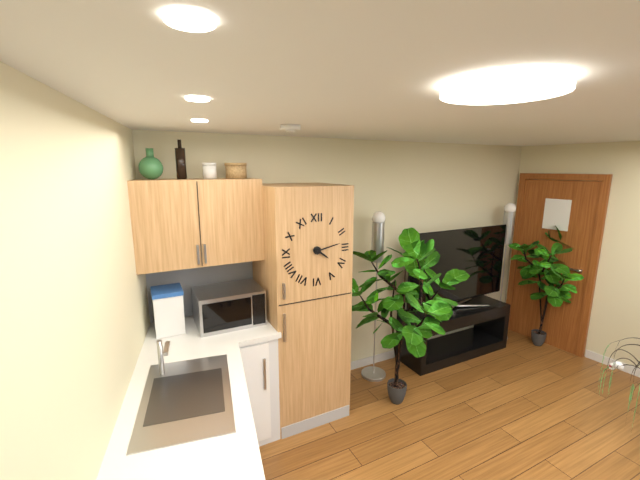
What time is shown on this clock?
4:13
